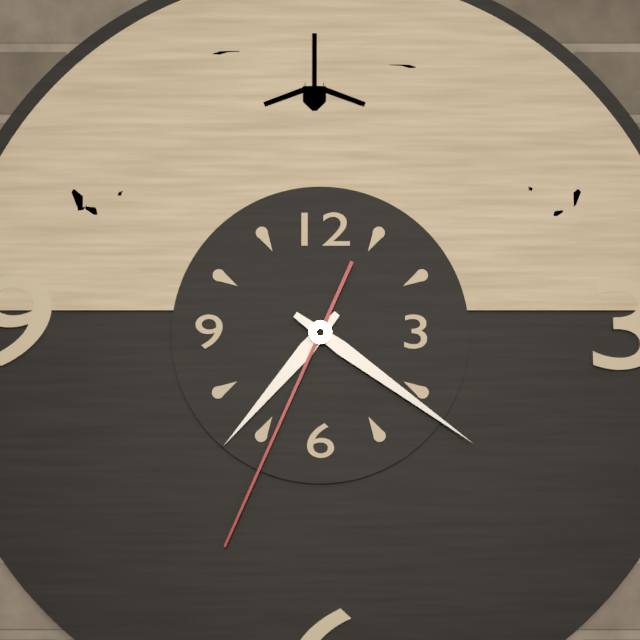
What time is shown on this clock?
7:21:34
